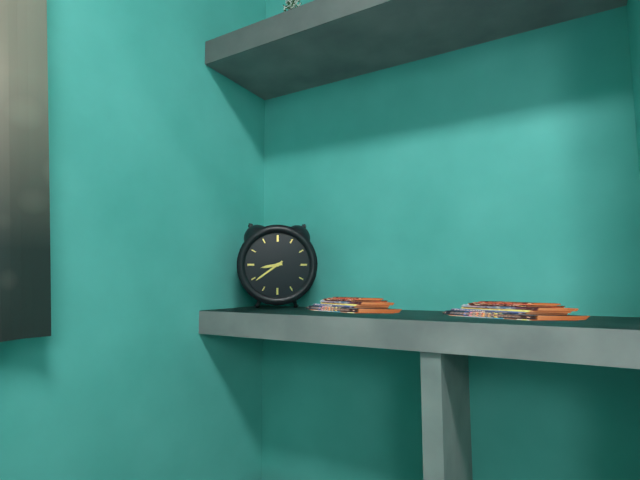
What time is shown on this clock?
8:39
